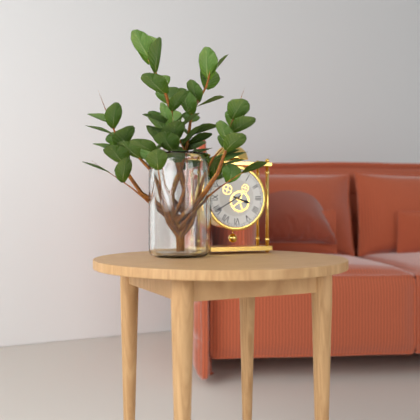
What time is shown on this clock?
3:40
